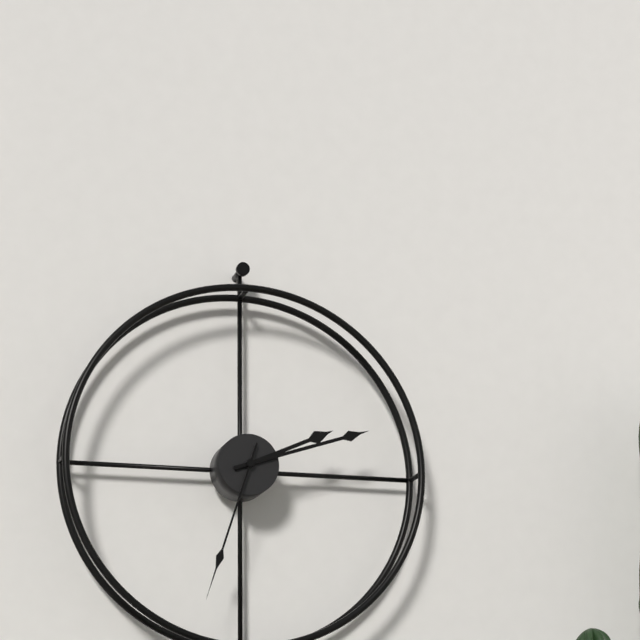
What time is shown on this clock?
2:12:33
